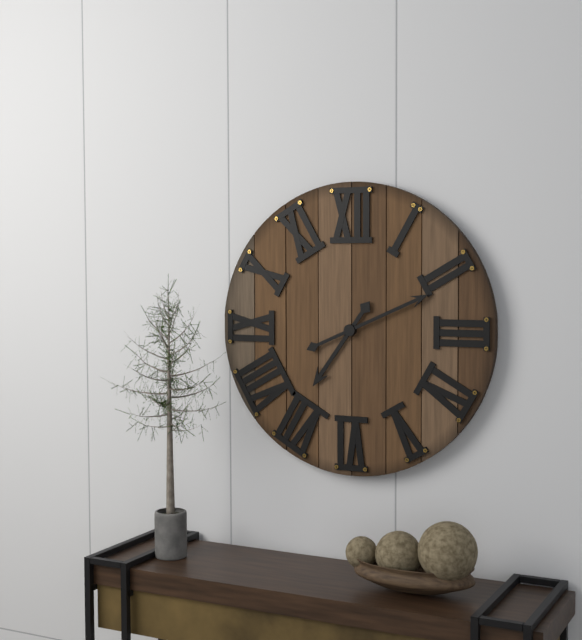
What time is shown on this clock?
7:11
